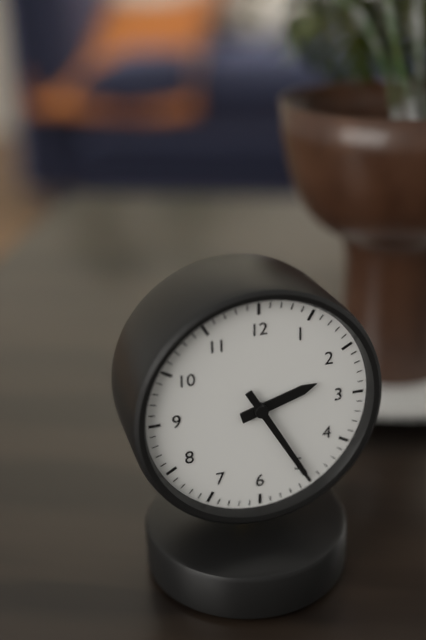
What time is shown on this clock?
2:25
